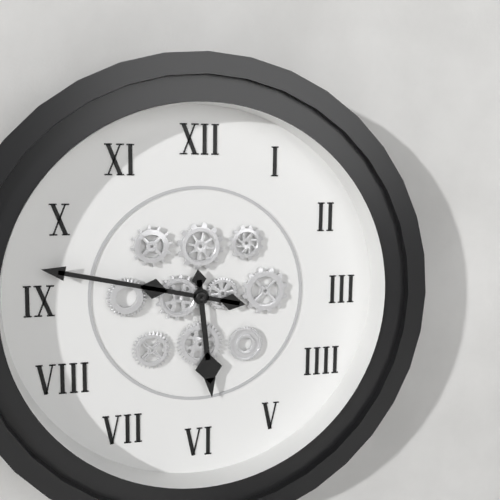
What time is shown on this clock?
5:47
